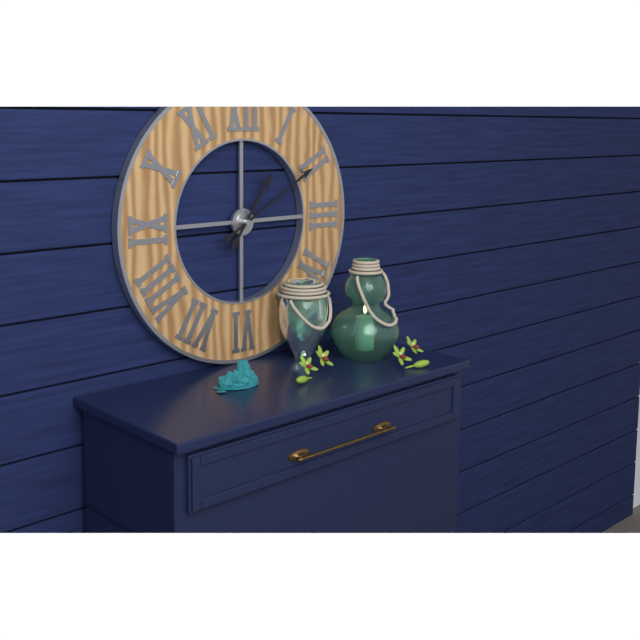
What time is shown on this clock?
1:10
